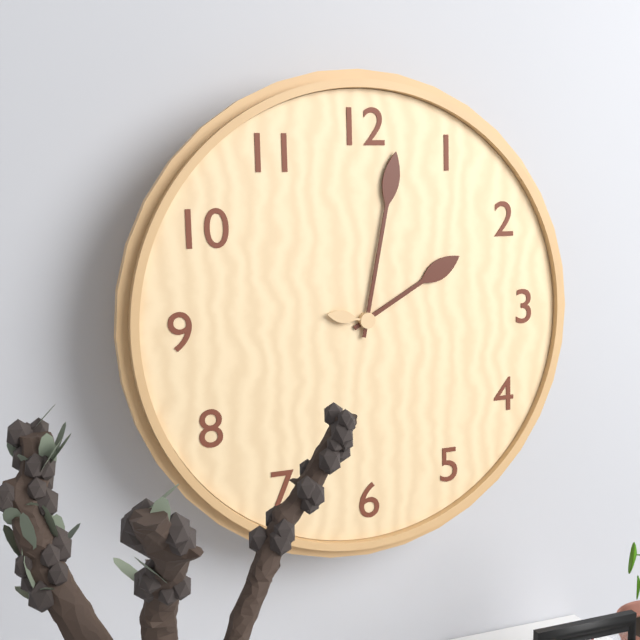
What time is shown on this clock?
2:02
